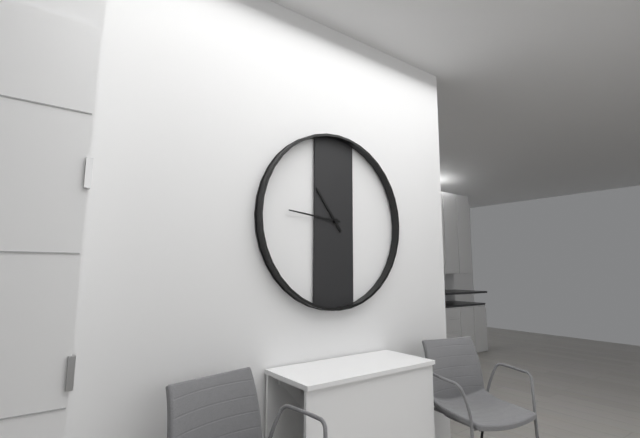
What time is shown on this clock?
10:46
